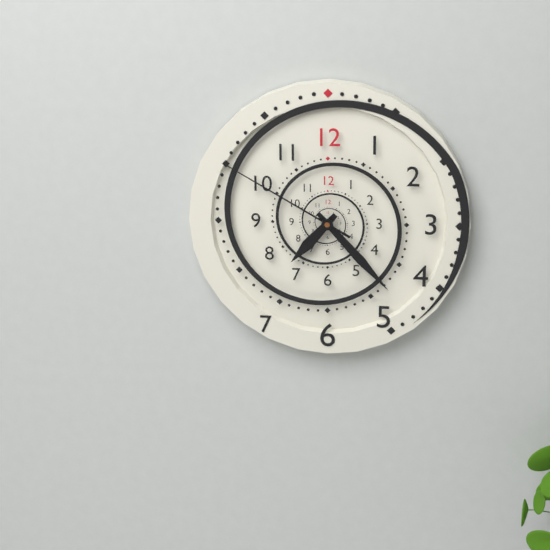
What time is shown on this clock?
7:23:50
